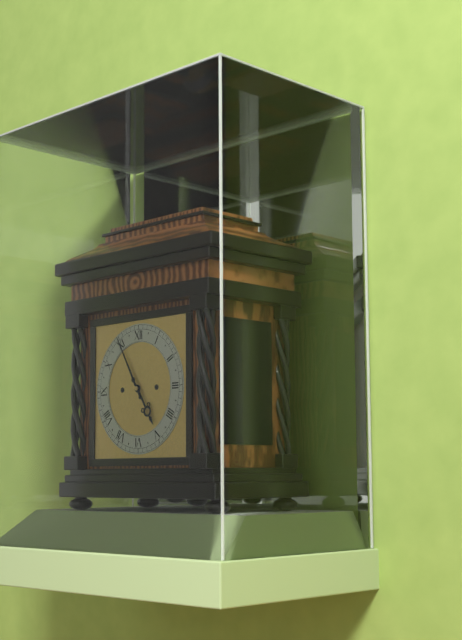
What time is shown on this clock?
4:55
